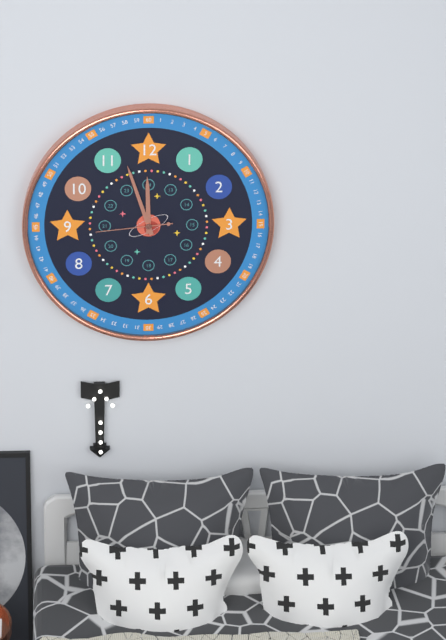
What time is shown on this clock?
11:57:44
